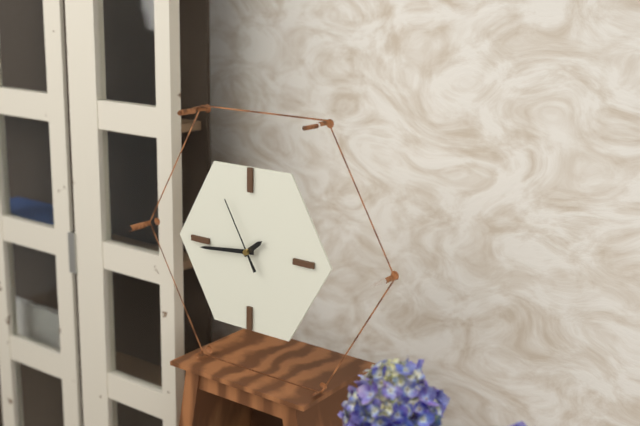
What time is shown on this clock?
1:44:55
